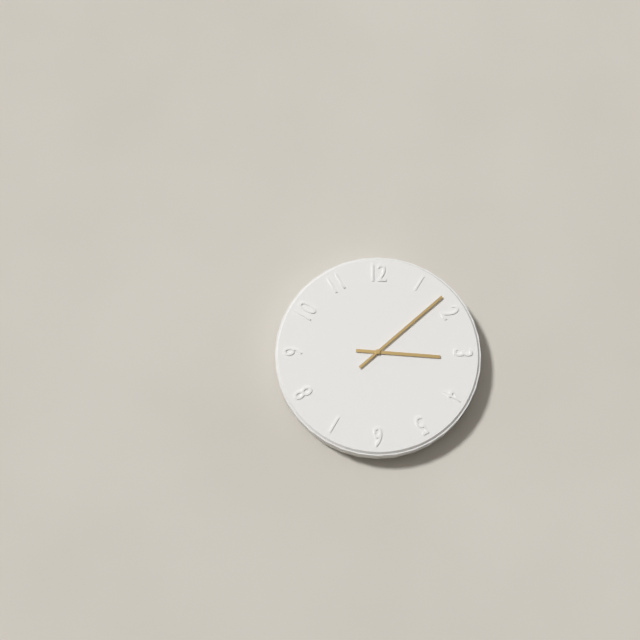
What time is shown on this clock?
3:08
